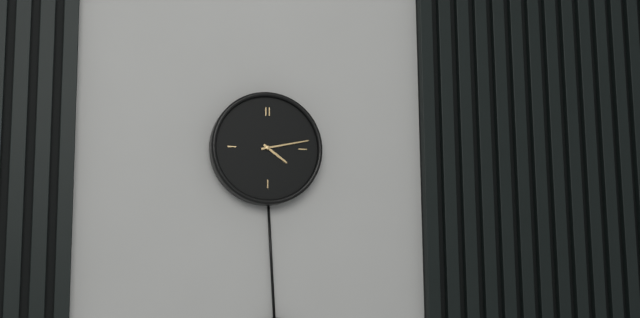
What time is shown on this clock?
4:13
